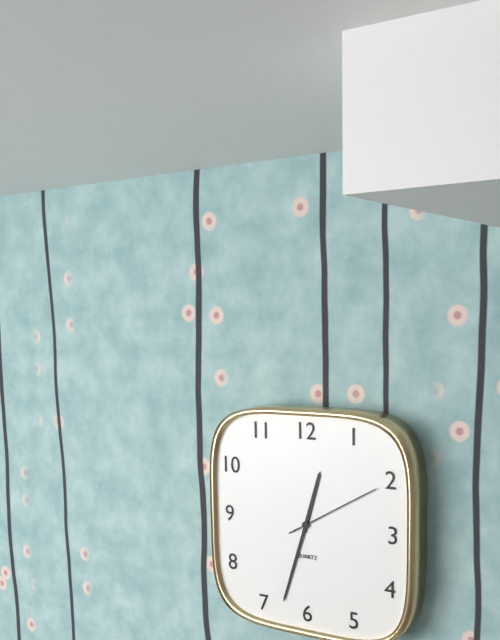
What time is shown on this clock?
12:33:10
